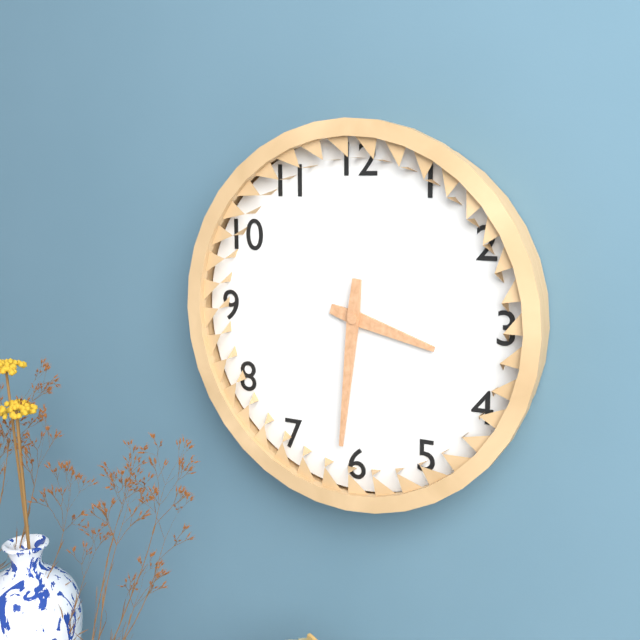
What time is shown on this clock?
3:31
